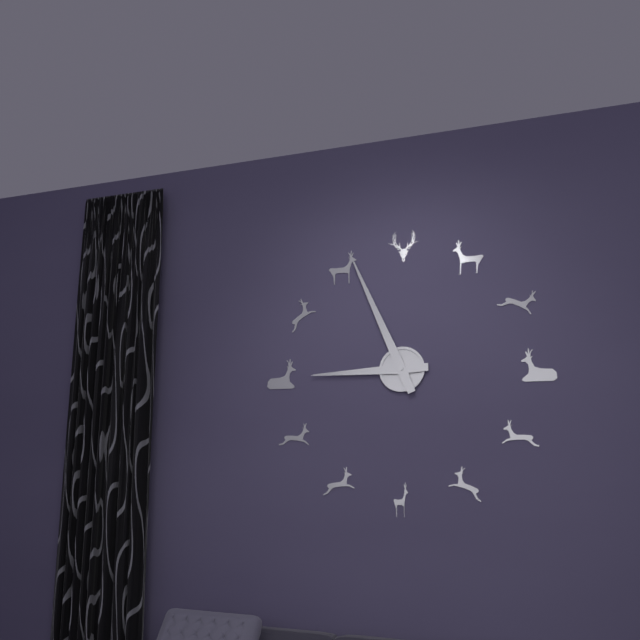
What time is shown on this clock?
8:56
